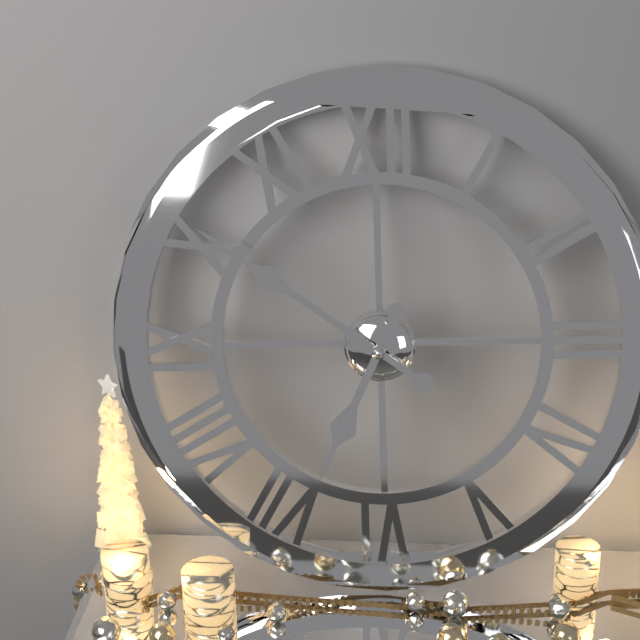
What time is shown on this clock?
6:51
